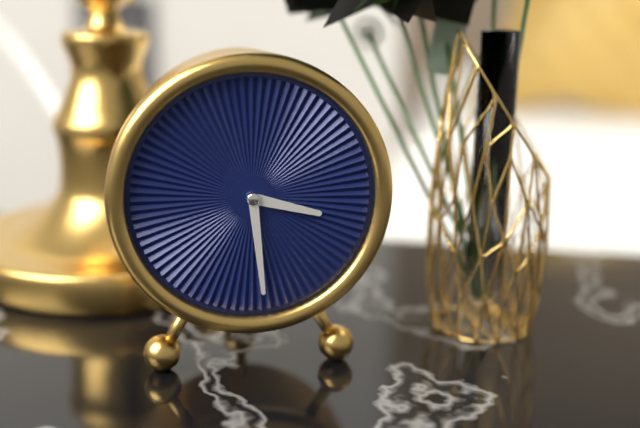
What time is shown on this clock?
3:29
